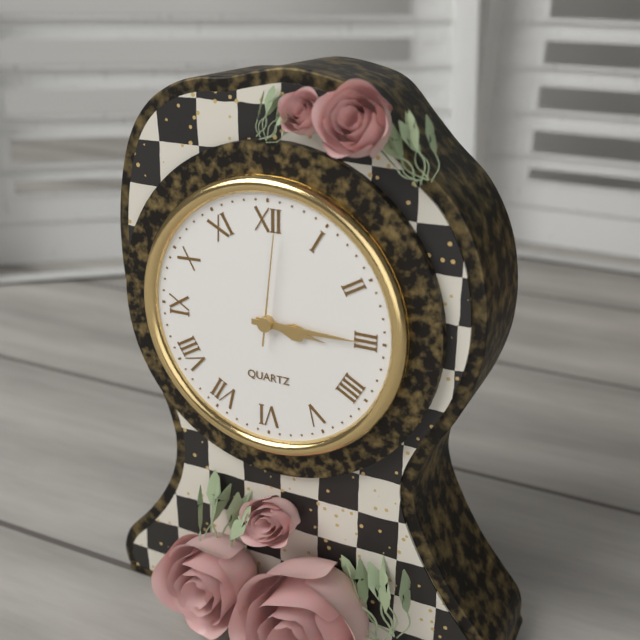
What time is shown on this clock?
3:15:01
